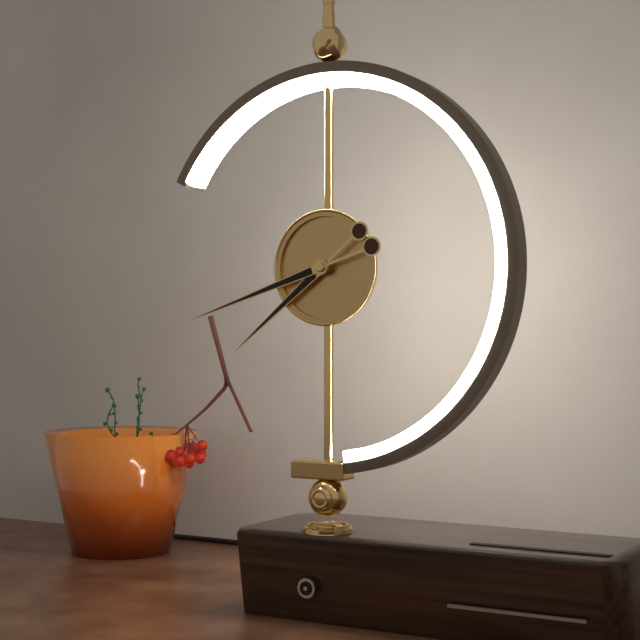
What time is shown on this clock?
7:42
